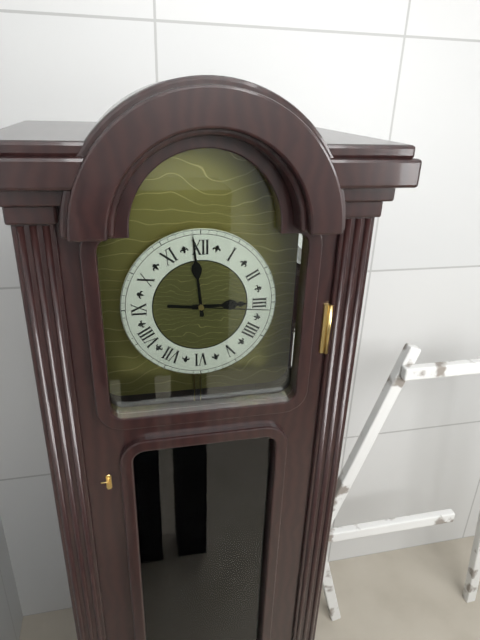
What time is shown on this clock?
2:59:16
